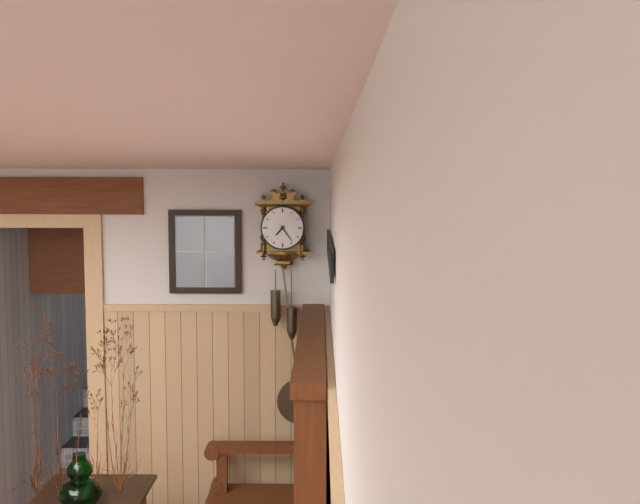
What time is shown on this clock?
7:24
